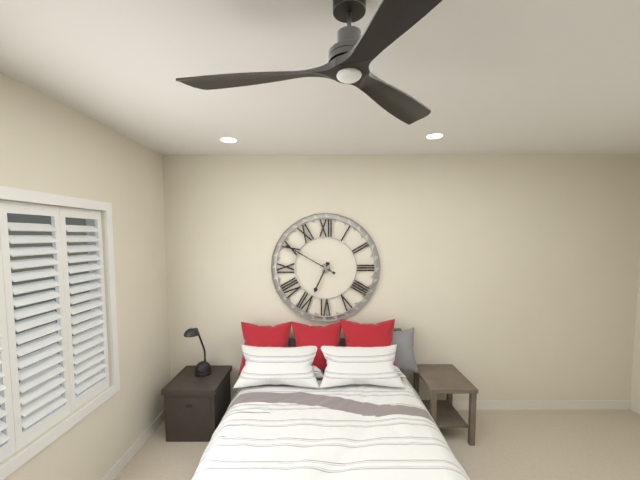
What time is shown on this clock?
6:50
